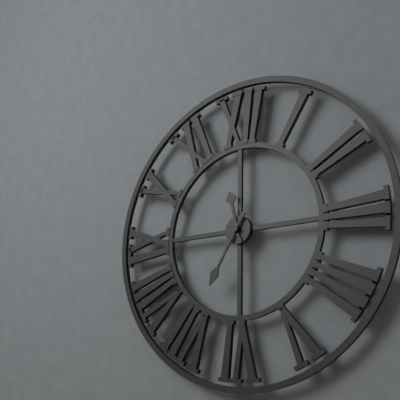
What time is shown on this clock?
11:35
